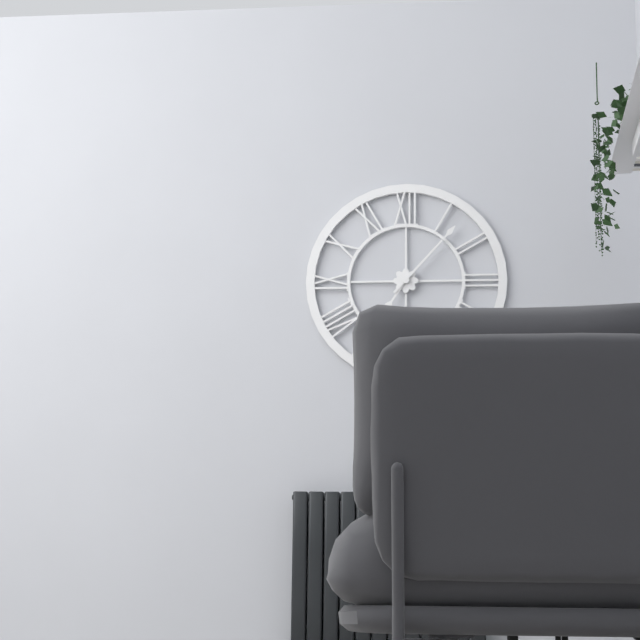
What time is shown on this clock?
7:07
